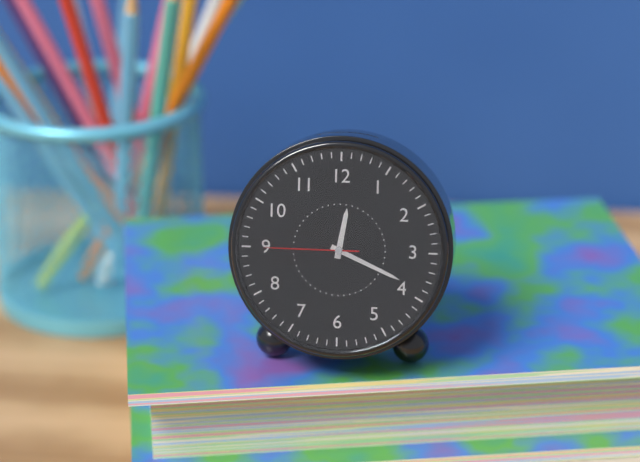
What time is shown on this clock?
12:19:45
